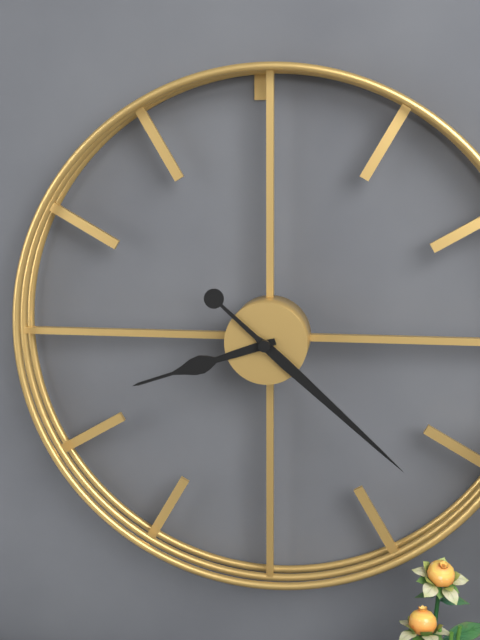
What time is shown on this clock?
8:22
